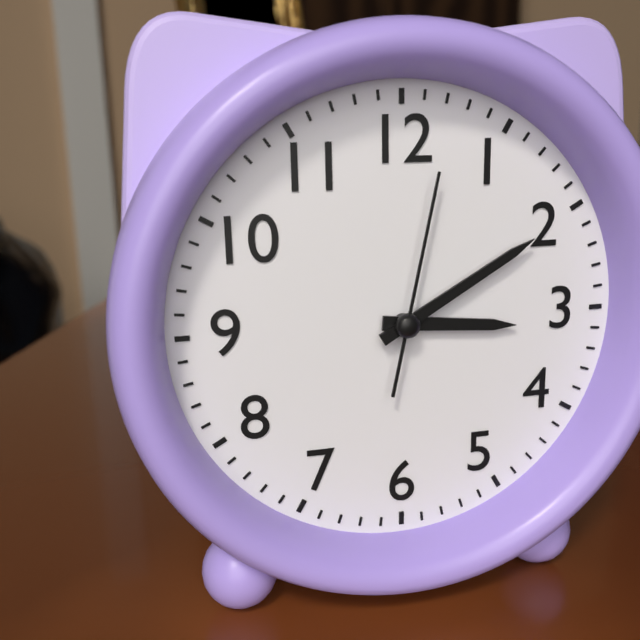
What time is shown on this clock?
3:10:02
